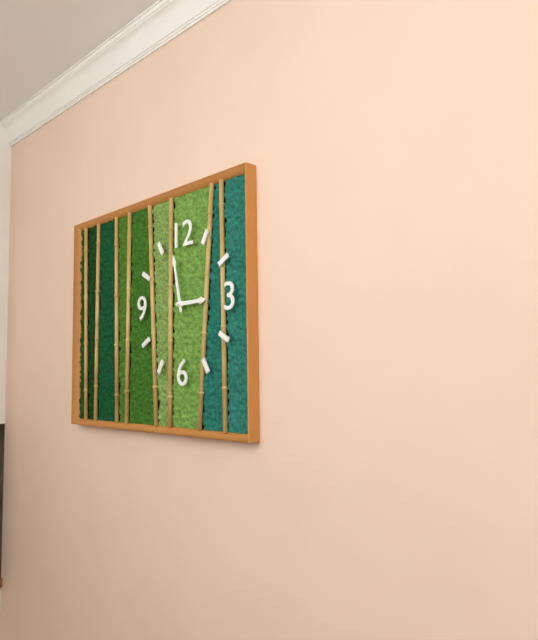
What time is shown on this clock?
2:58
